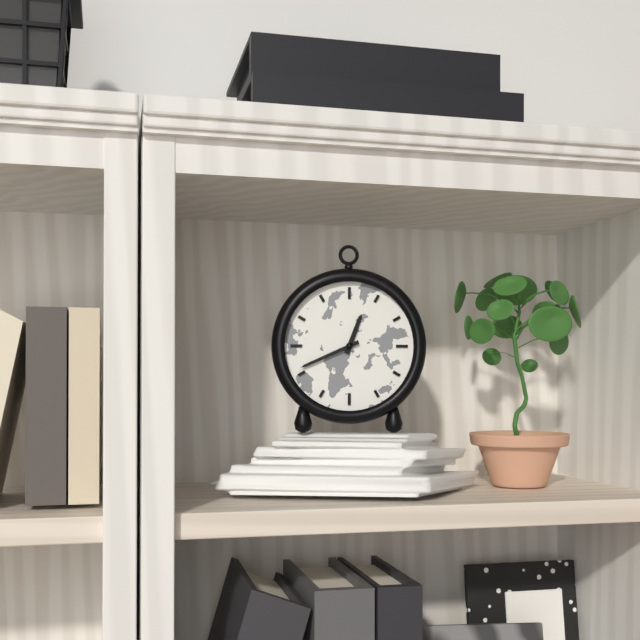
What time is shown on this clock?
12:41
